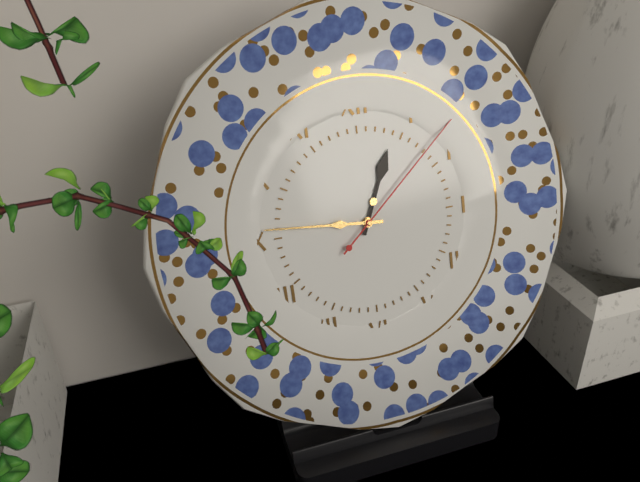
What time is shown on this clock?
12:46:08
